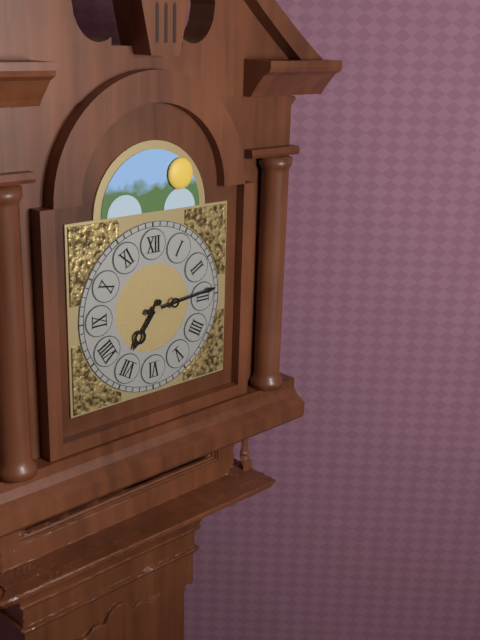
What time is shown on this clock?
7:14
